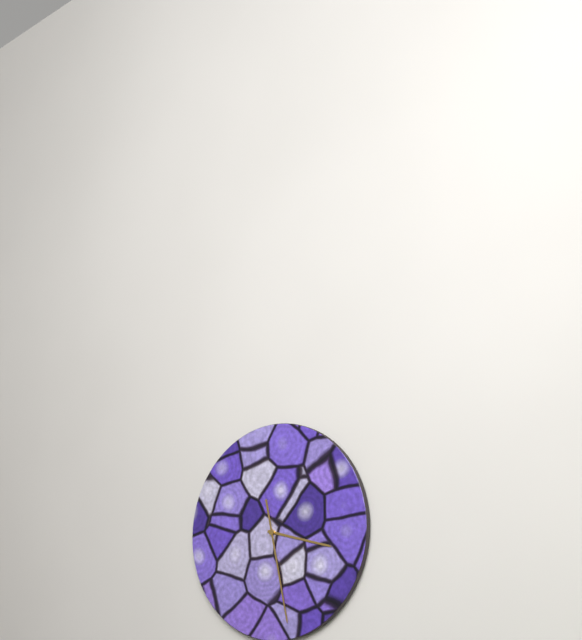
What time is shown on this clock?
3:28
